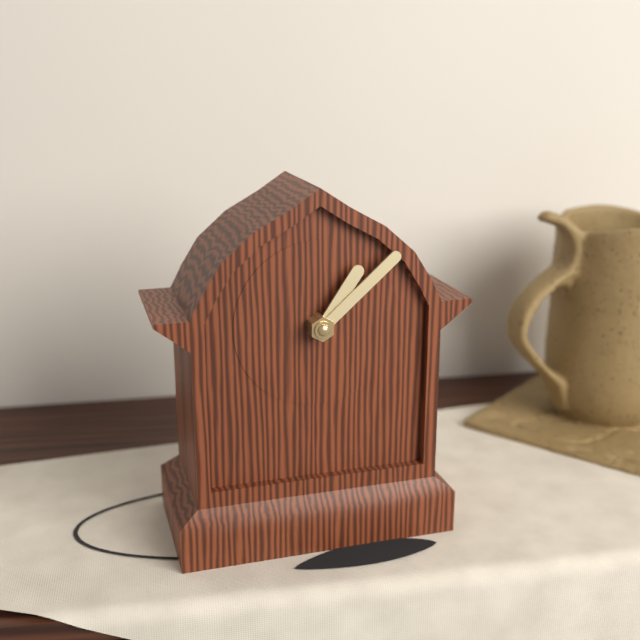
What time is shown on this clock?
1:08
